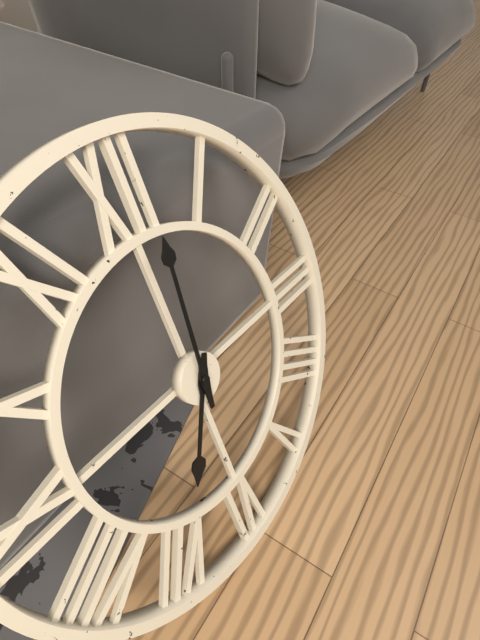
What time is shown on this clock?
7:01
